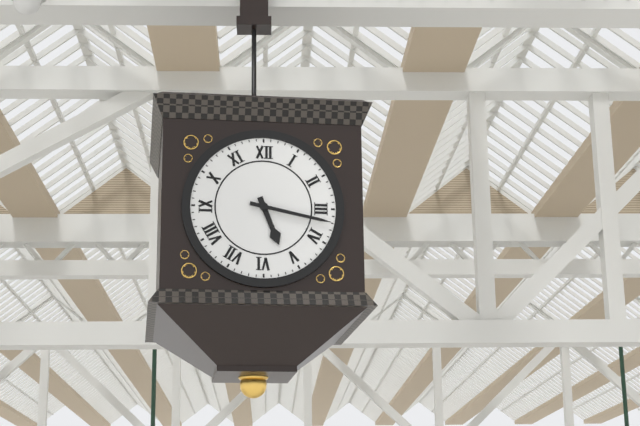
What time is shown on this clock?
5:17
